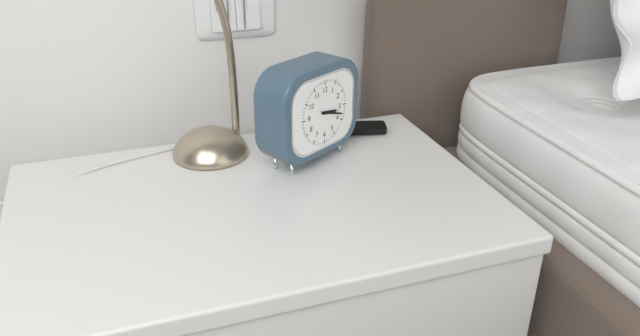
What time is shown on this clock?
3:18
